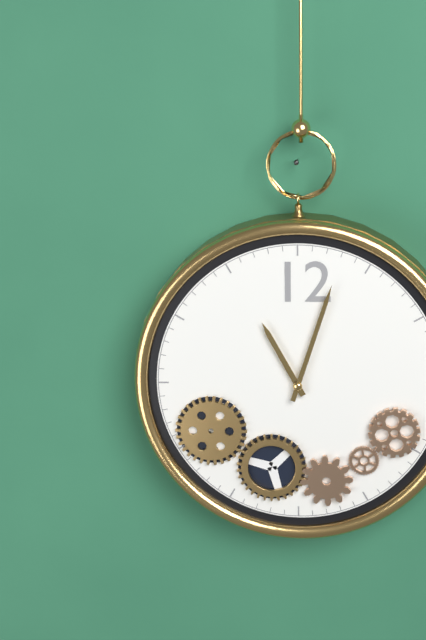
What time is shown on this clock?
11:03
